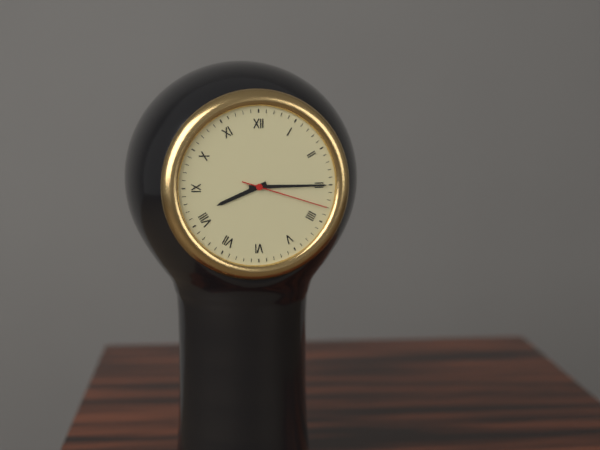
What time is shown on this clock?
8:15:18
